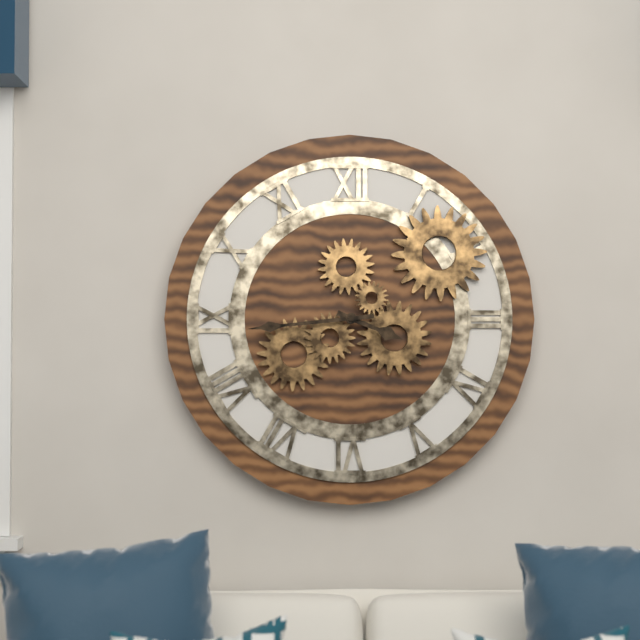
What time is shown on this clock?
3:44
